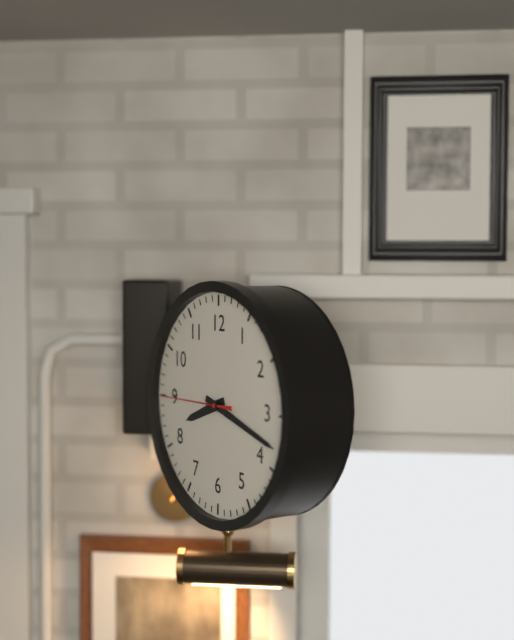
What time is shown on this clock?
8:18:45
